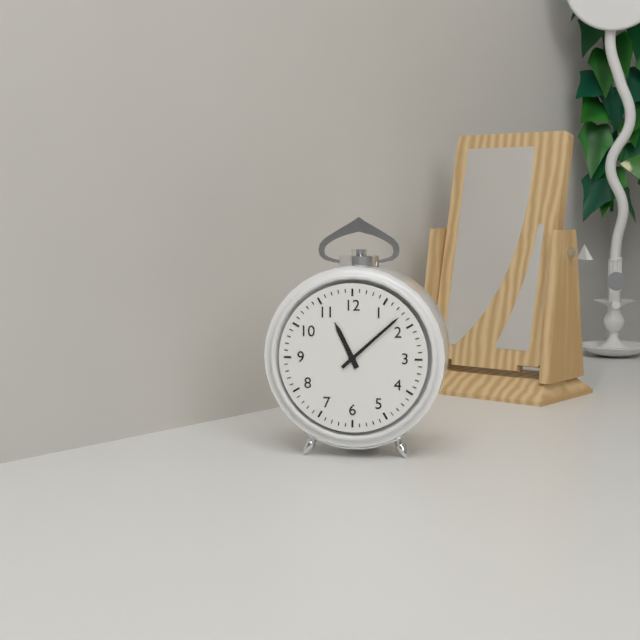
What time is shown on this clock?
11:08
